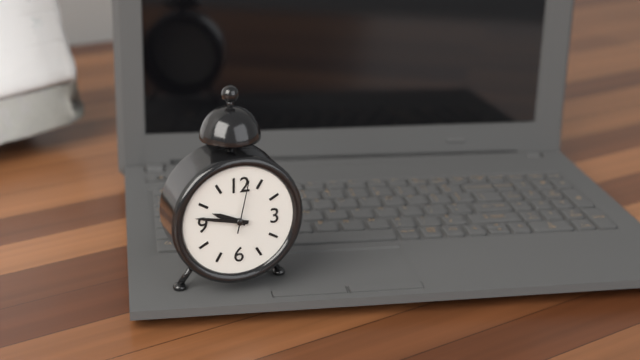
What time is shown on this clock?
9:47:02
